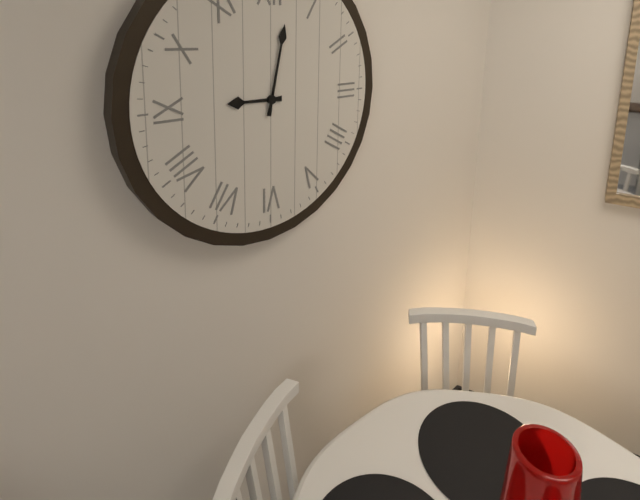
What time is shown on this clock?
9:02
